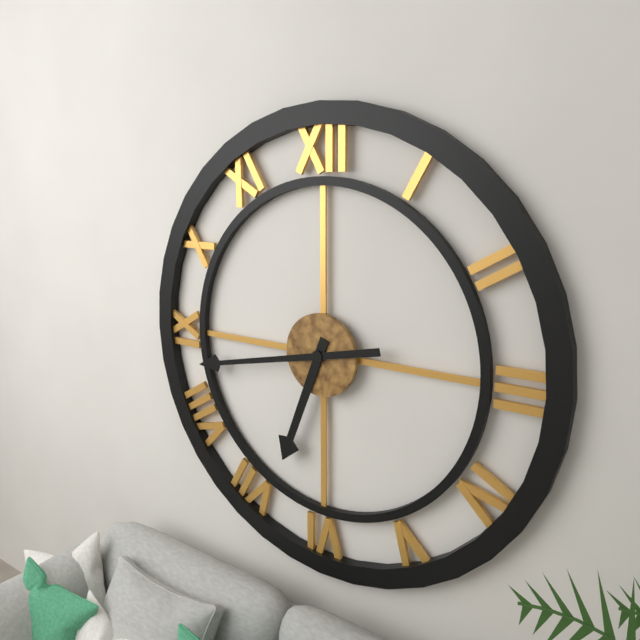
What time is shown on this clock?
6:43
